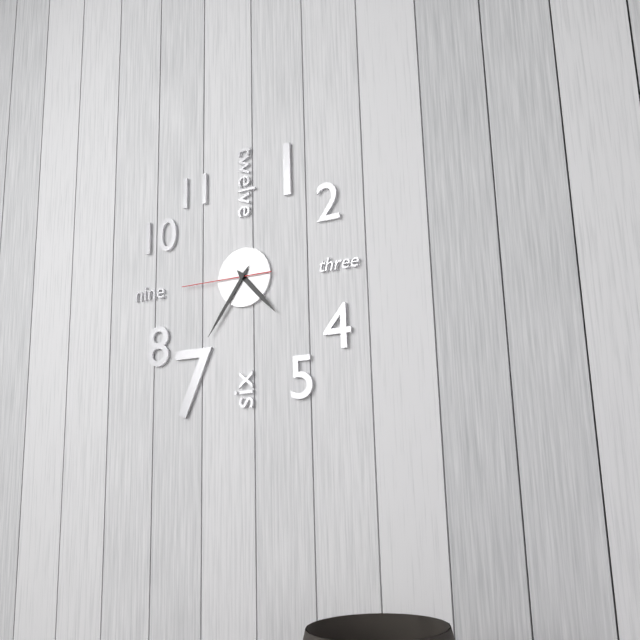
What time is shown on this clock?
4:36:45
